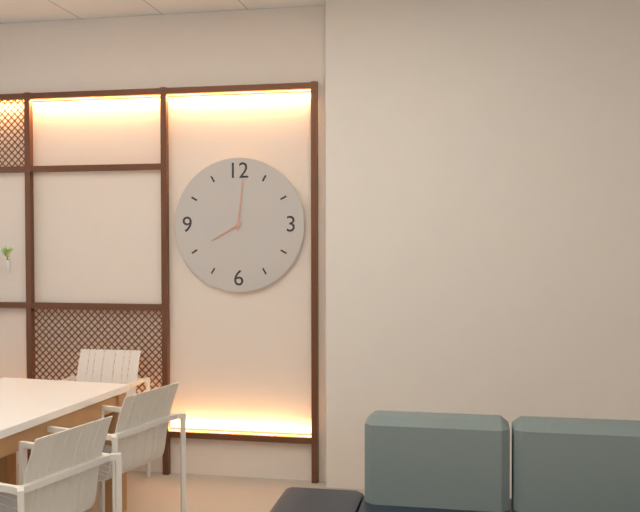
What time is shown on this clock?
8:01
